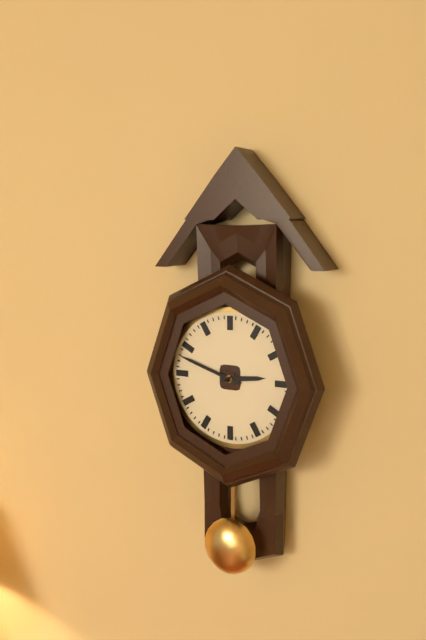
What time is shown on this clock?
2:48
